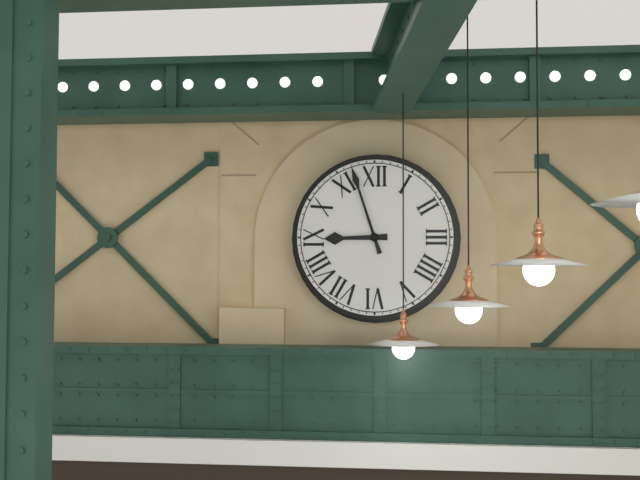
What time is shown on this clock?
8:57
